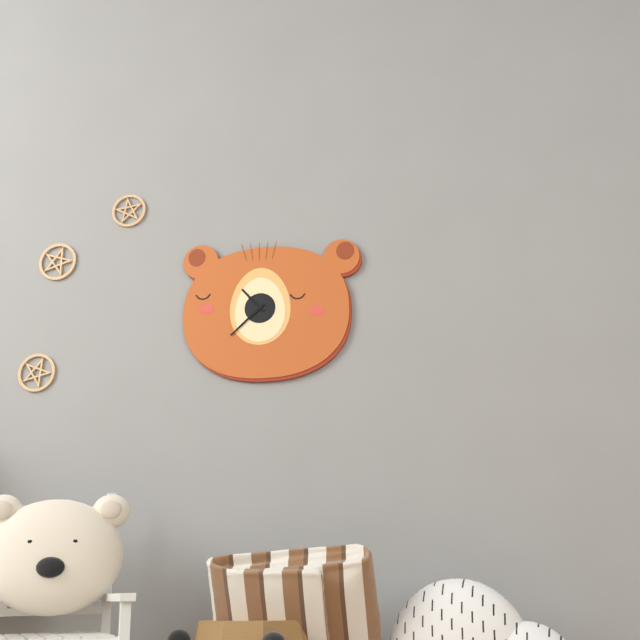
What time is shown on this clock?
10:38
